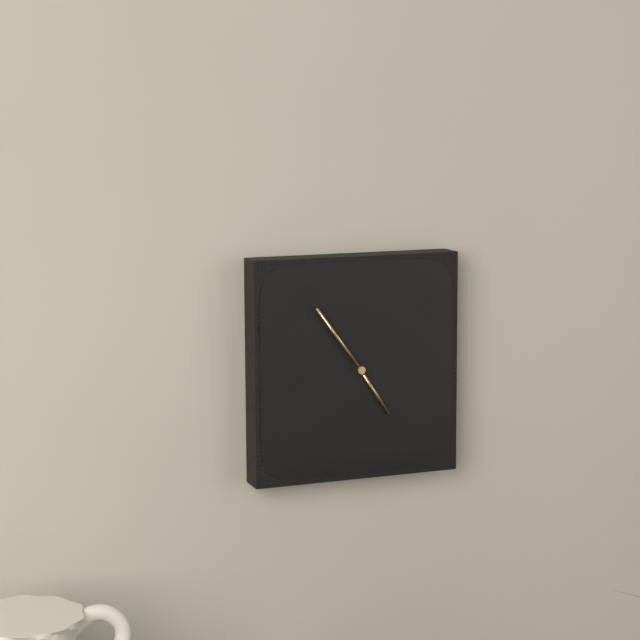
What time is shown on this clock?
4:54
